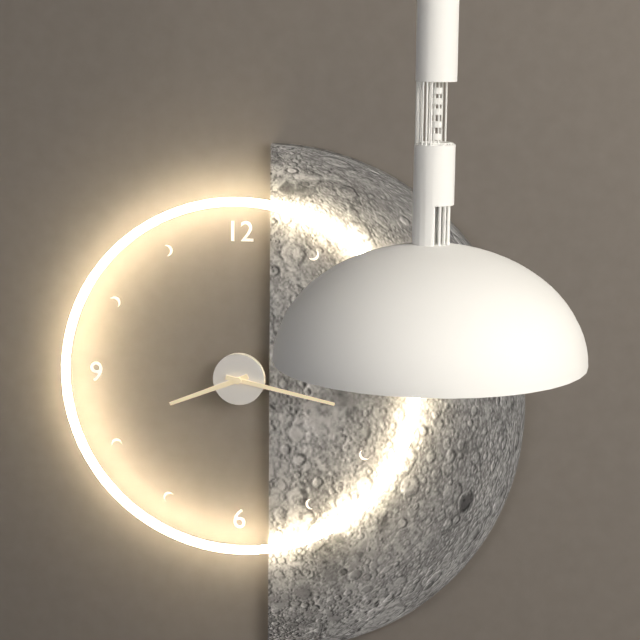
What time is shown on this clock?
8:17
